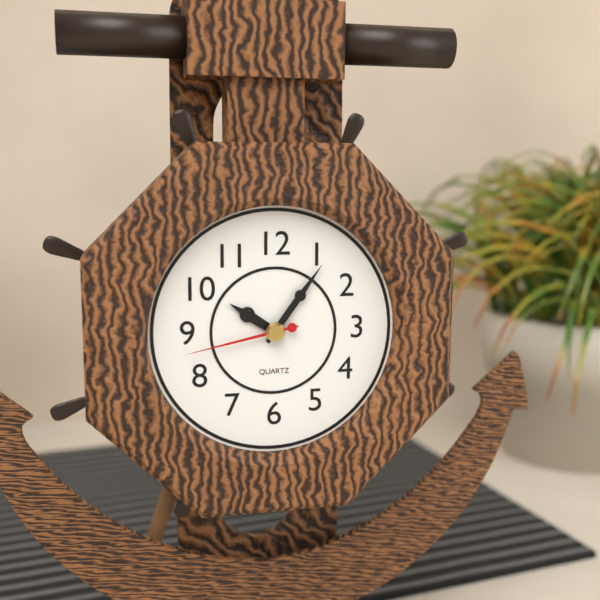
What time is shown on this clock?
10:06:43
